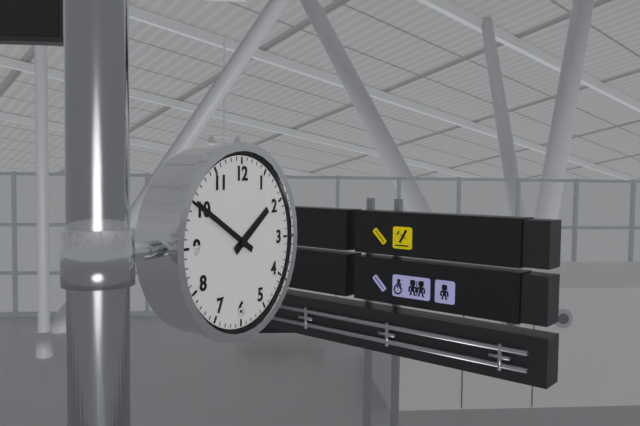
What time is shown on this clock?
1:50
